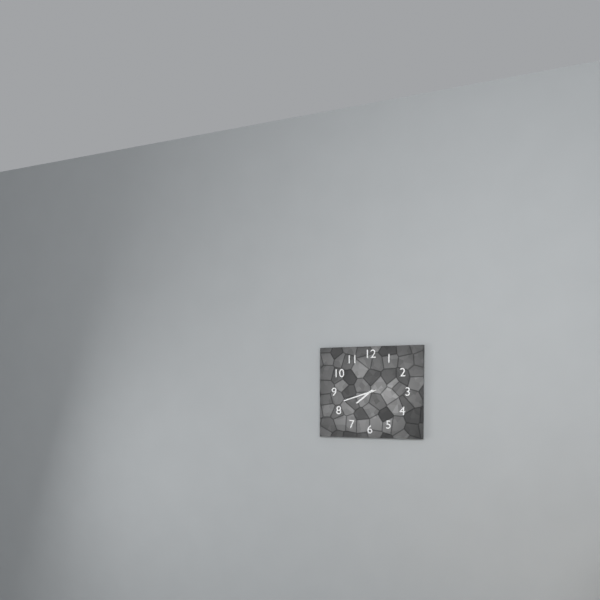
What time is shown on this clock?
7:42
